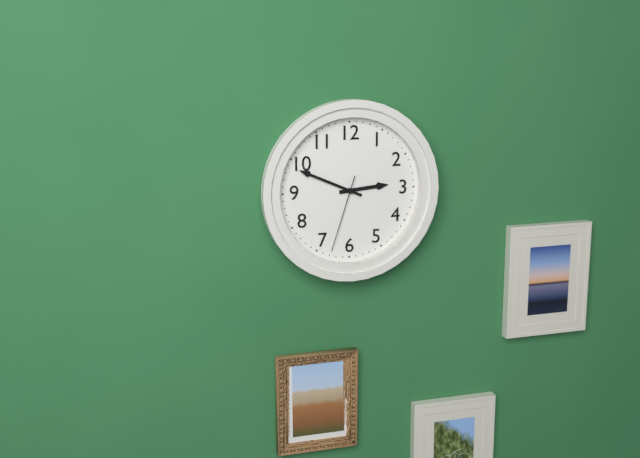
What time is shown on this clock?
2:49:33
